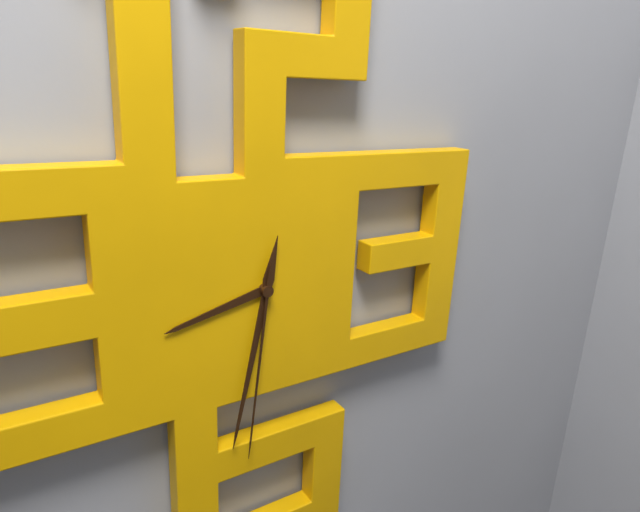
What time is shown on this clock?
8:32:31
